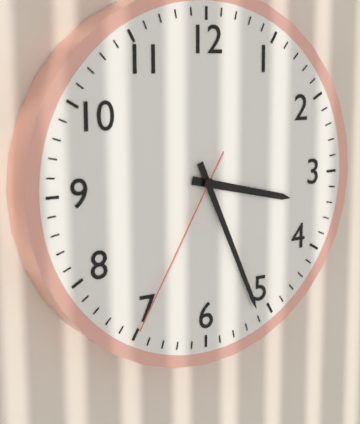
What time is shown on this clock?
3:26:35
